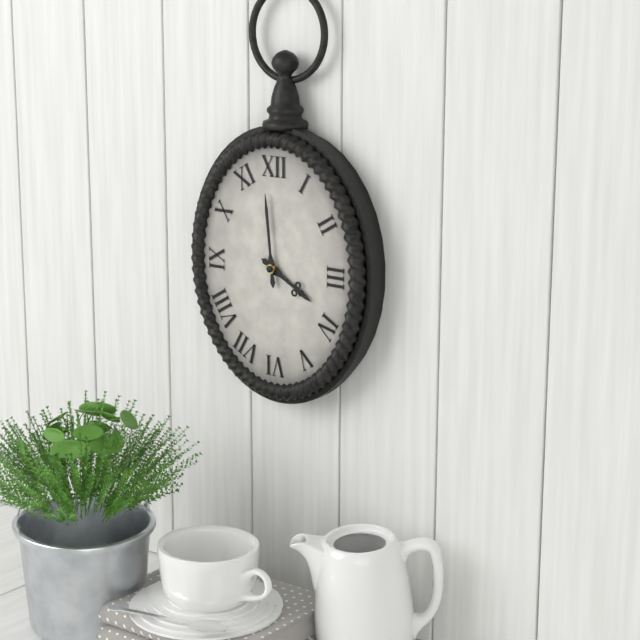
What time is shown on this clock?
3:59
